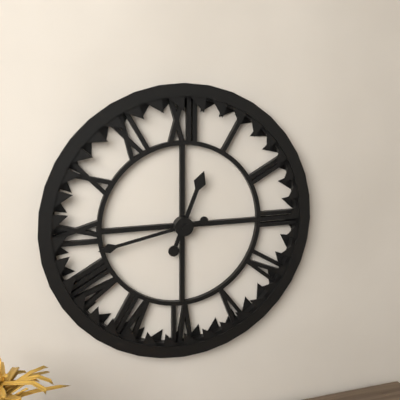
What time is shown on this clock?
12:43
